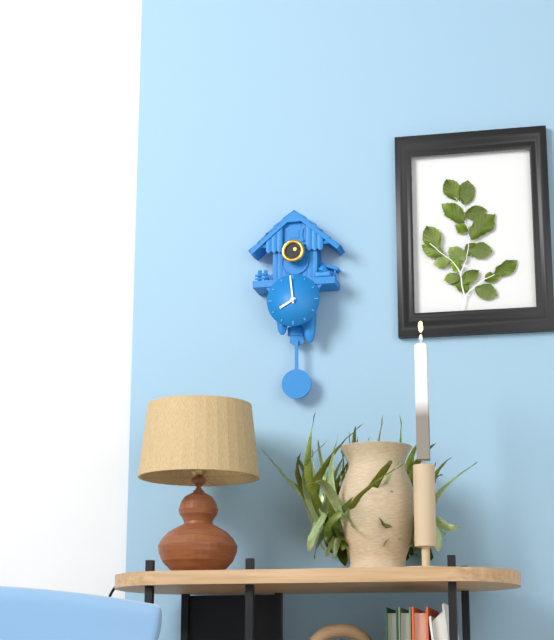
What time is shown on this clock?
7:59
